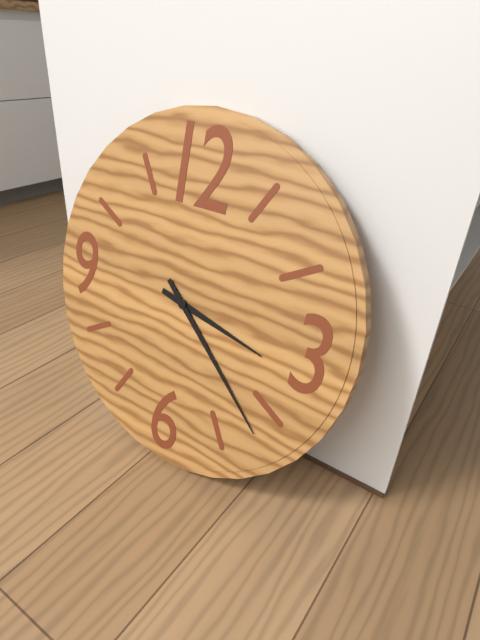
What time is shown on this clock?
3:22
